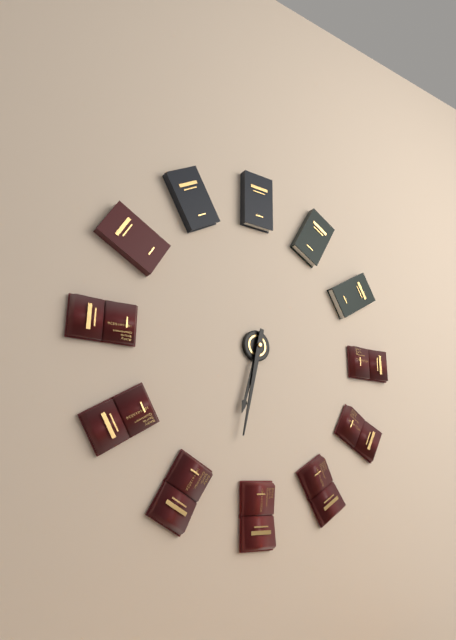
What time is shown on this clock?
6:32
